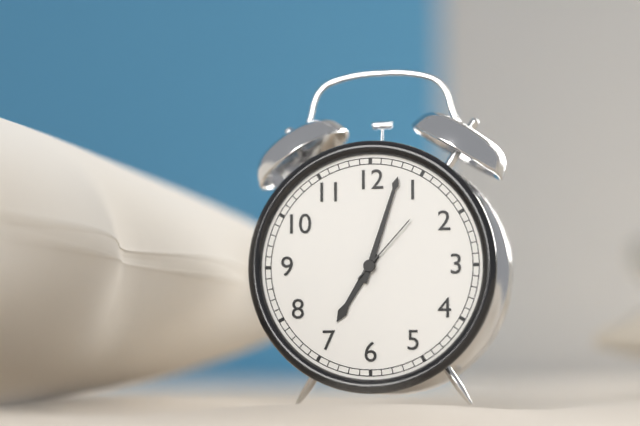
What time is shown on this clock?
7:03:07
